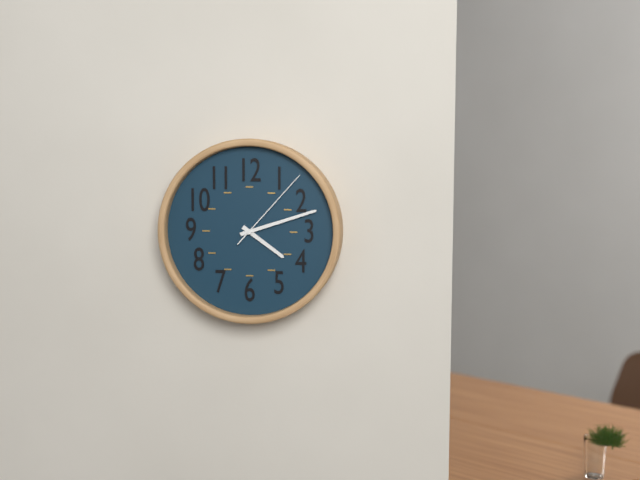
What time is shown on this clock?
4:12:07
